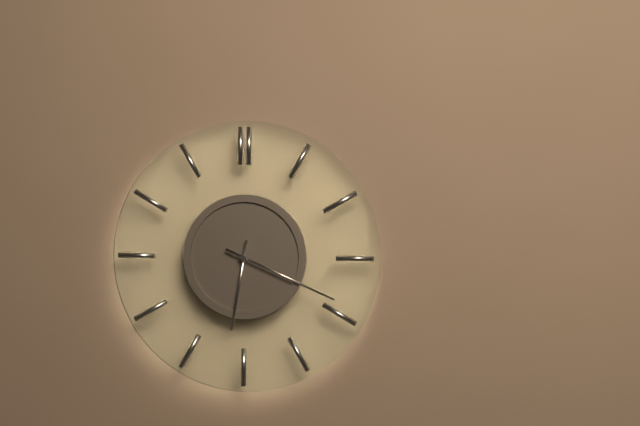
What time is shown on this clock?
6:19
